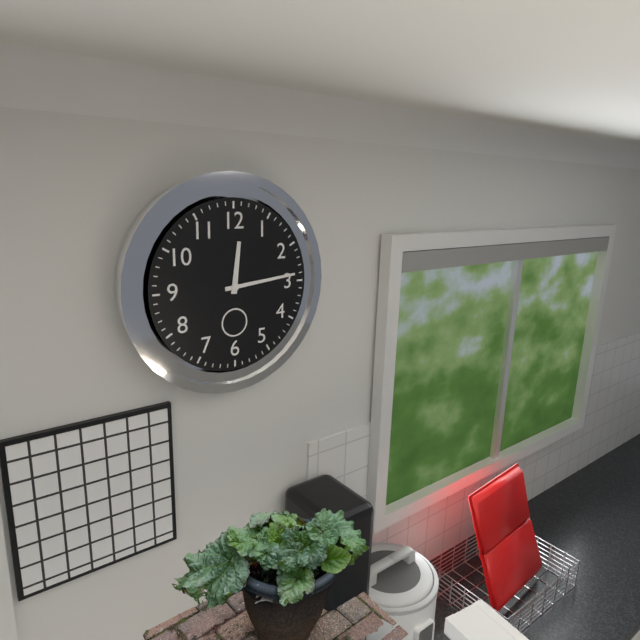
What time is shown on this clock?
12:14
